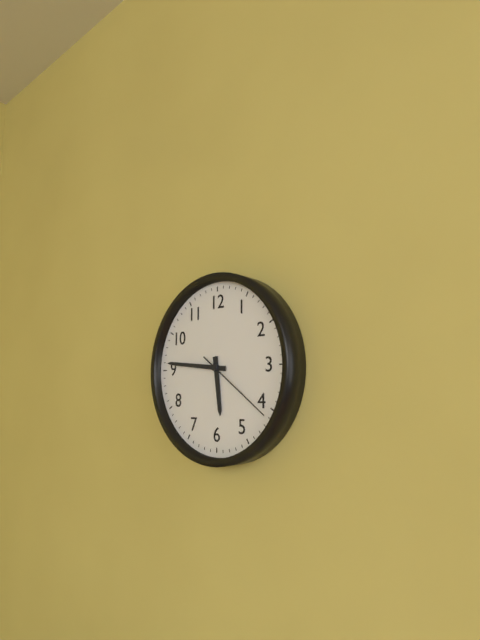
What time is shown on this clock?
5:46:21
